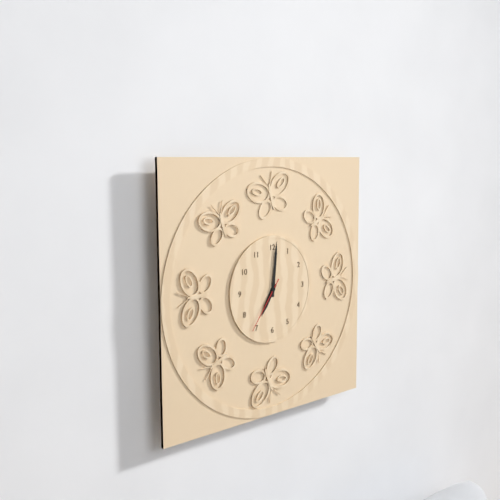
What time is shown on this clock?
7:01:36
